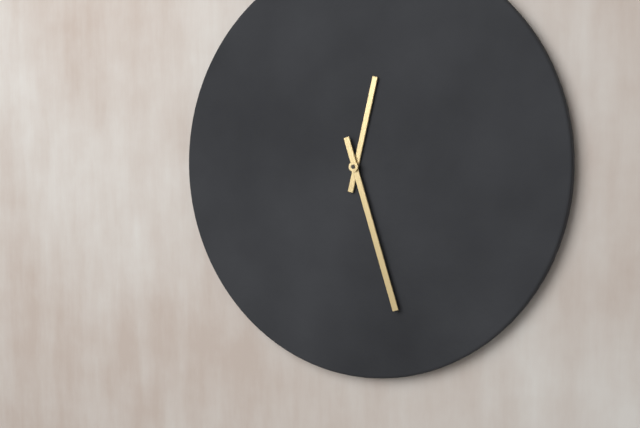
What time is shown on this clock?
12:27
